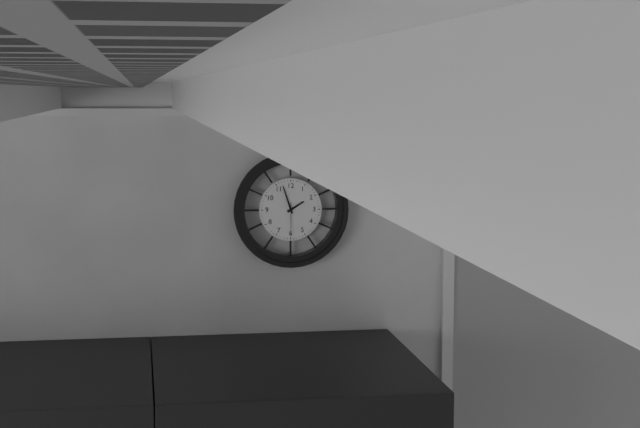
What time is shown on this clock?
1:57
